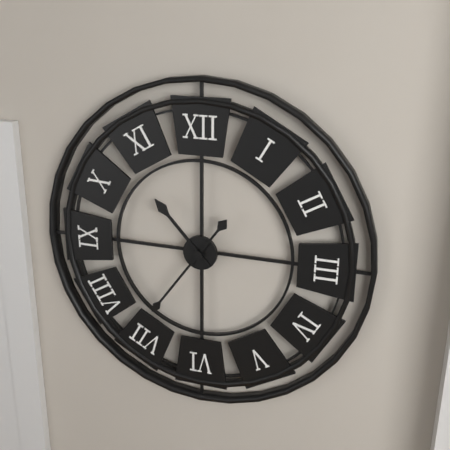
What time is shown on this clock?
10:36
